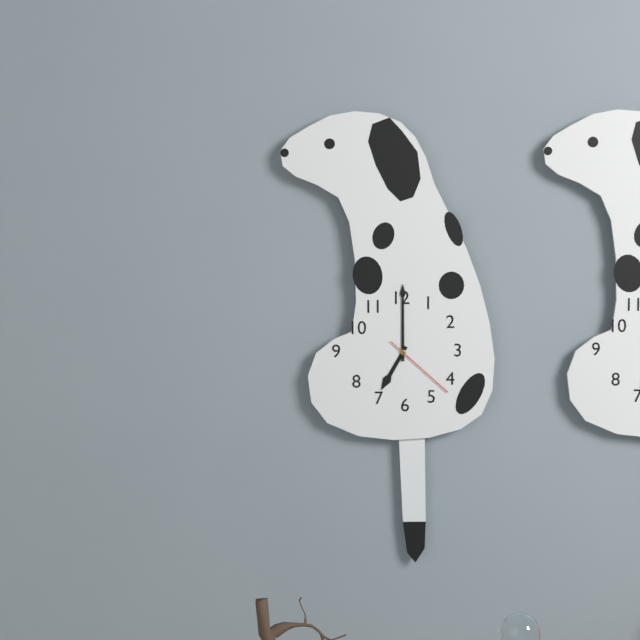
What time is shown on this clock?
7:00:22
